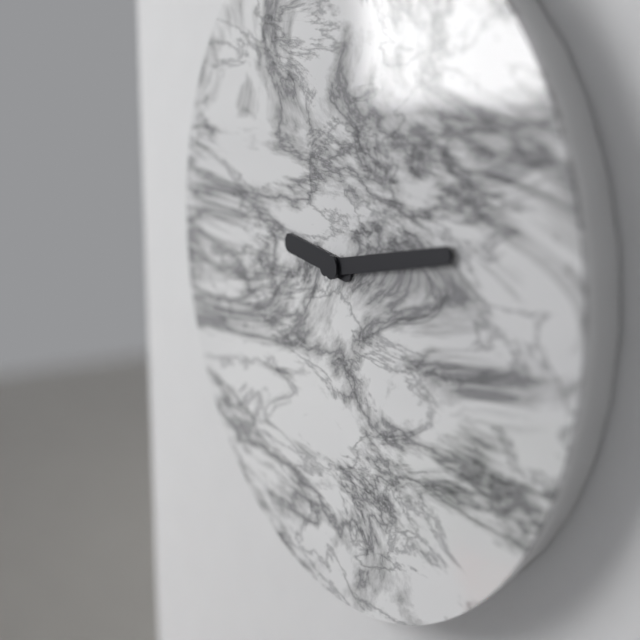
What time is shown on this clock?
9:13
